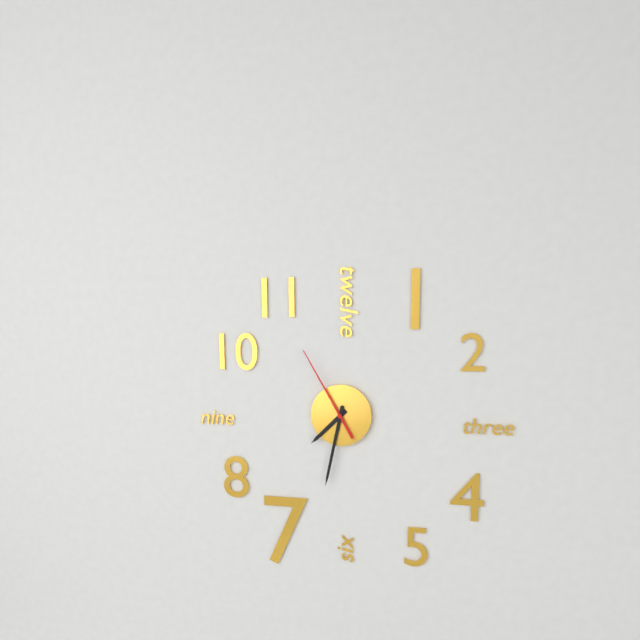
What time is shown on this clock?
7:32:55
